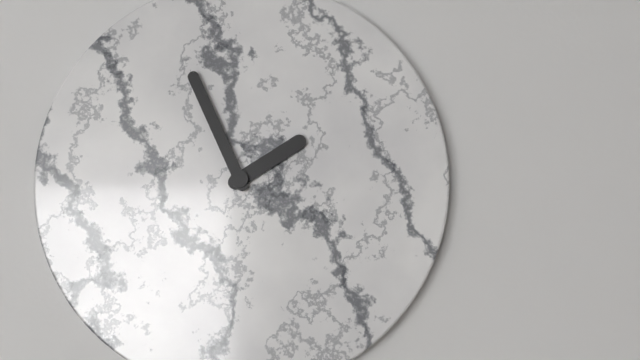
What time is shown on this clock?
1:56
